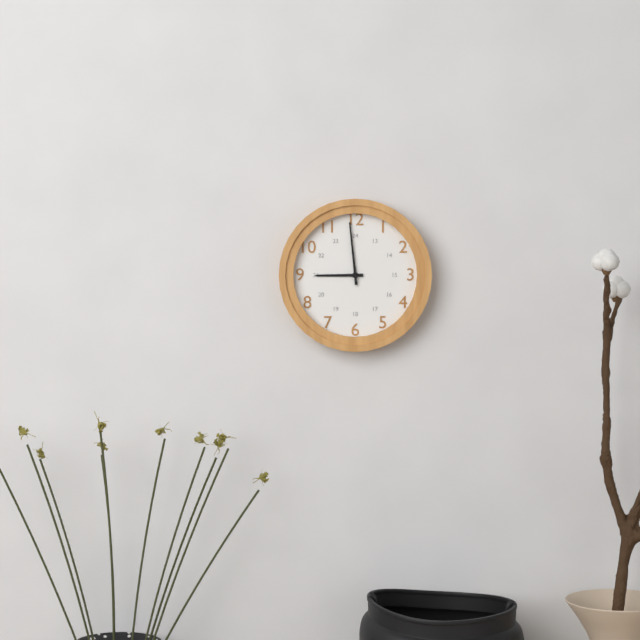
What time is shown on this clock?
8:59
